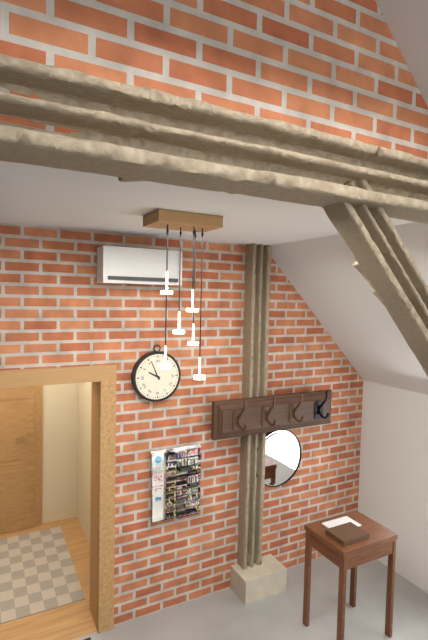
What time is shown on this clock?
9:56
